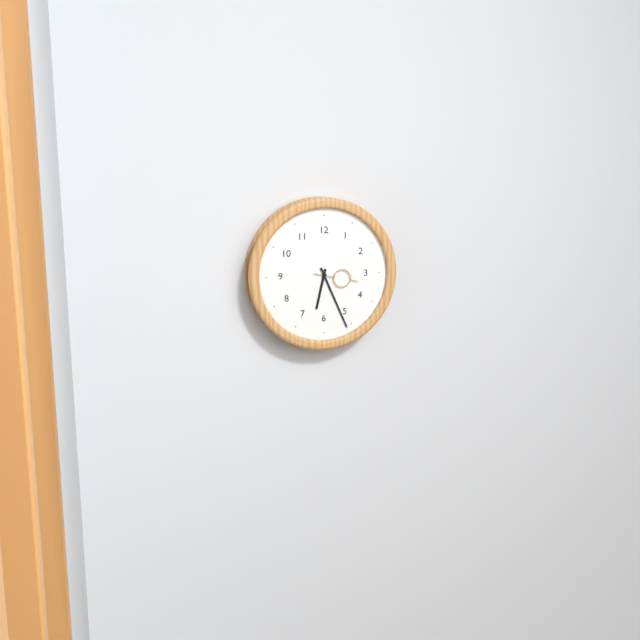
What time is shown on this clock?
6:26
